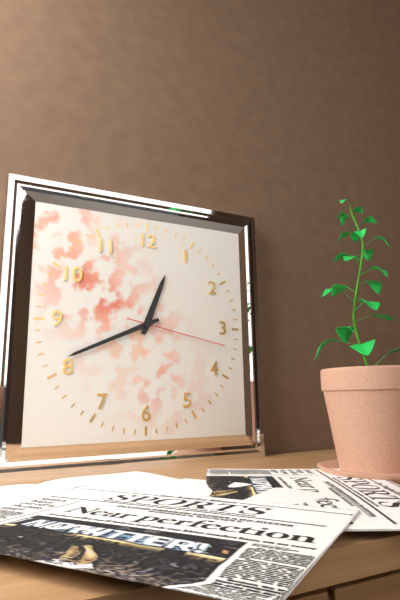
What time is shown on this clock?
12:41:17
